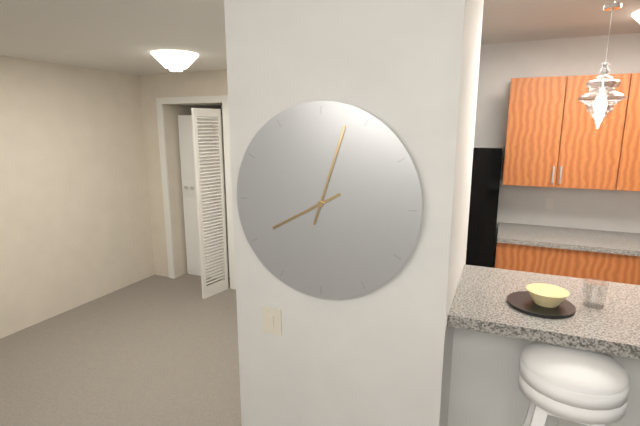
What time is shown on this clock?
8:03
